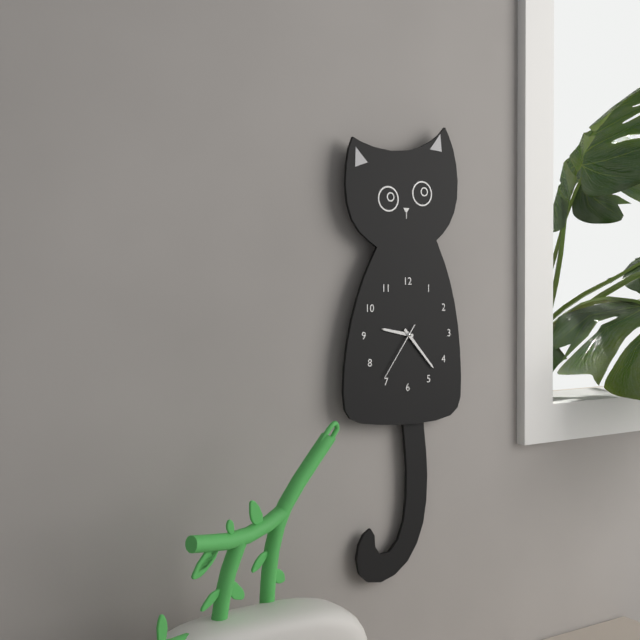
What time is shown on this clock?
9:23:36
